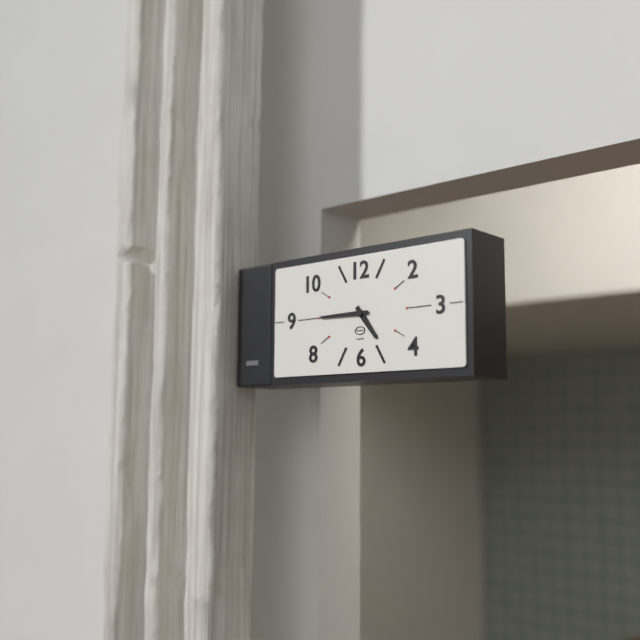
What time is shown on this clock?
4:45
